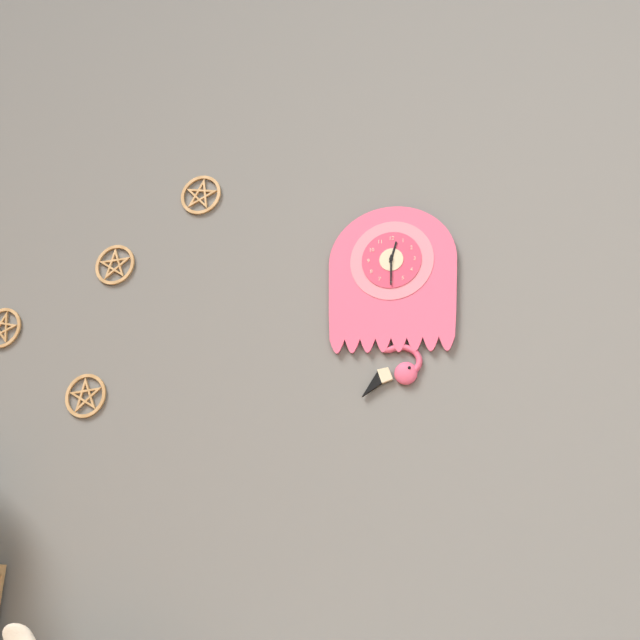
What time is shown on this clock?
12:30
